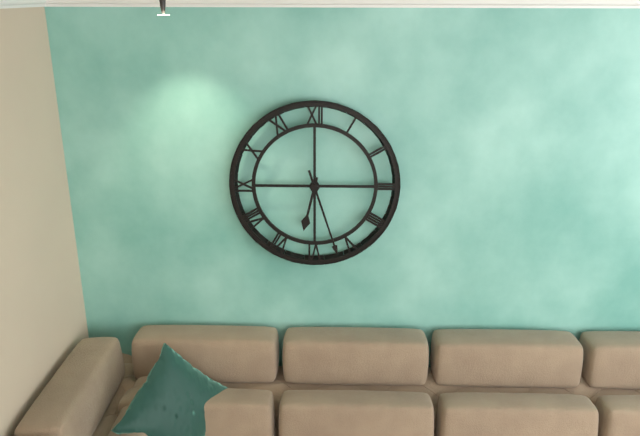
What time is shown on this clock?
6:27
